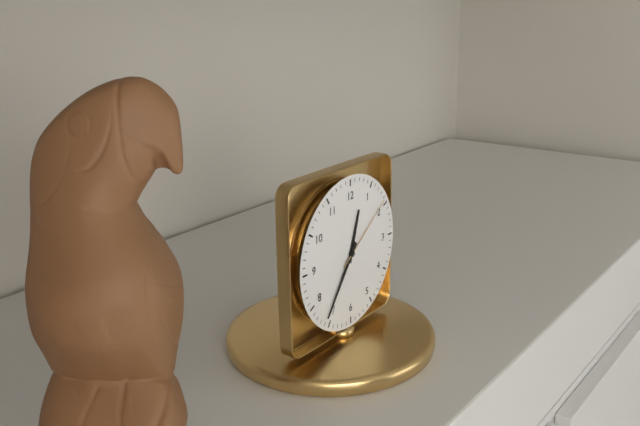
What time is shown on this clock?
12:36:09
